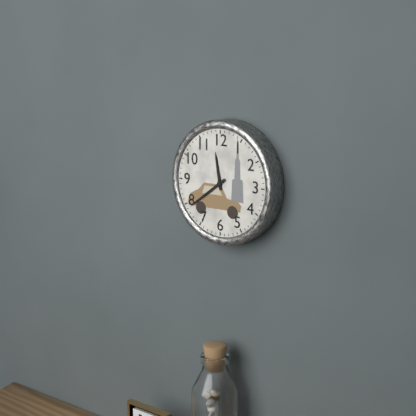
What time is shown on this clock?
11:39
